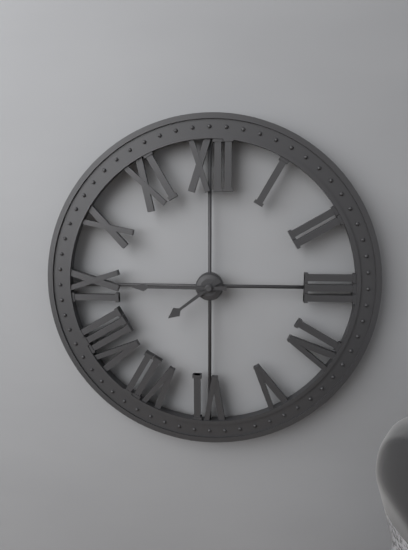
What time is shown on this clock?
7:45
